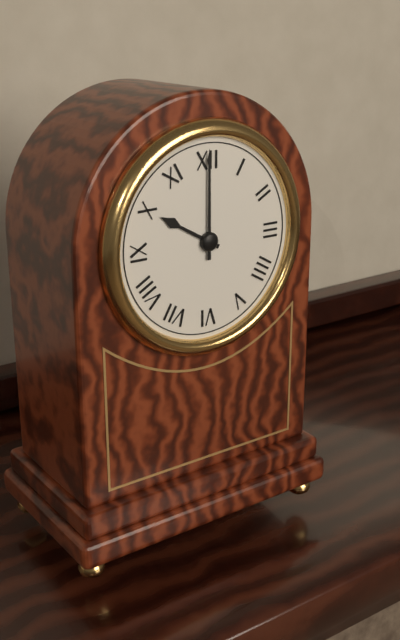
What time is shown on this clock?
10:00
